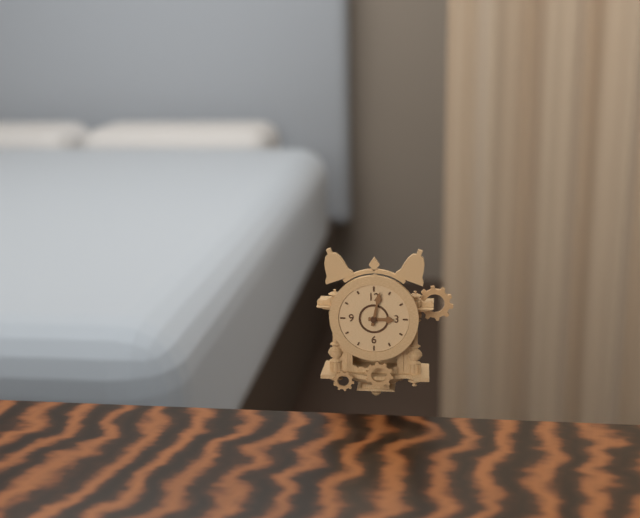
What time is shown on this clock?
3:02
